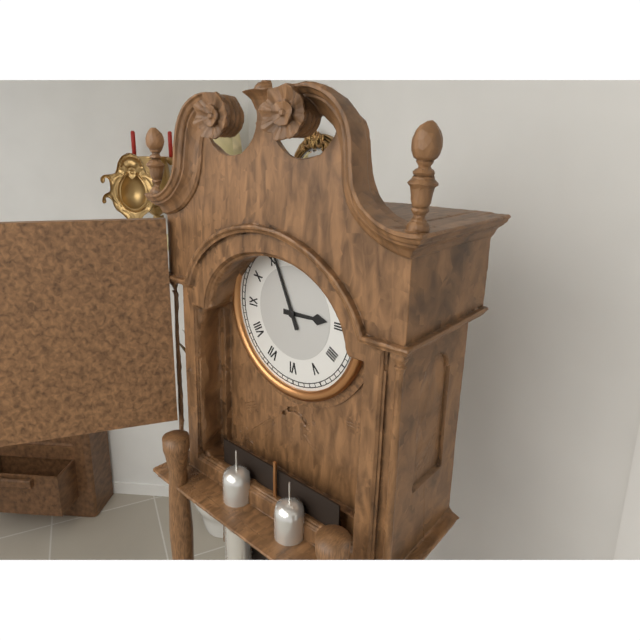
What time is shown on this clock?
2:56
